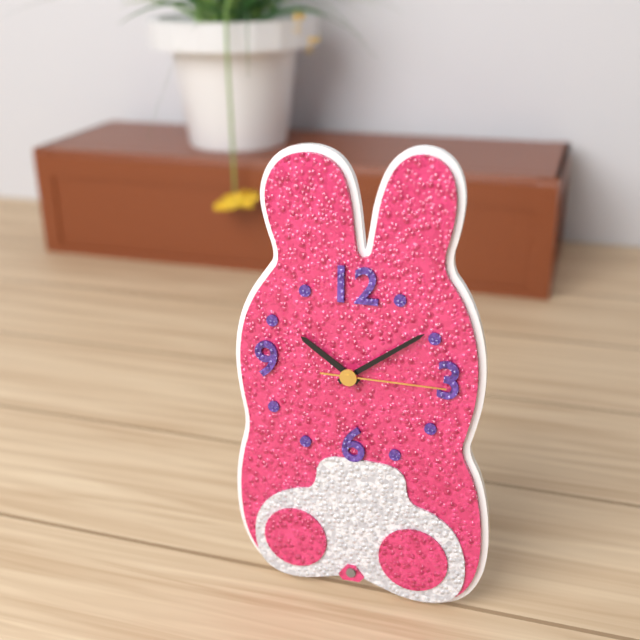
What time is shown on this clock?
10:09:15
